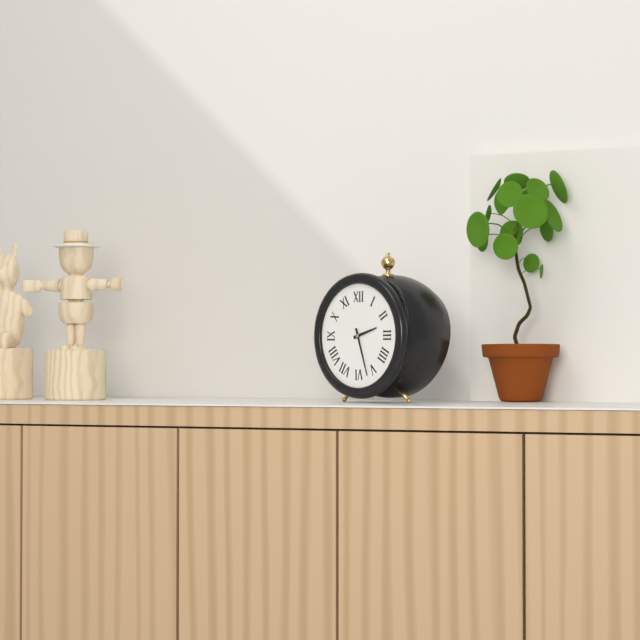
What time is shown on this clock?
2:27
